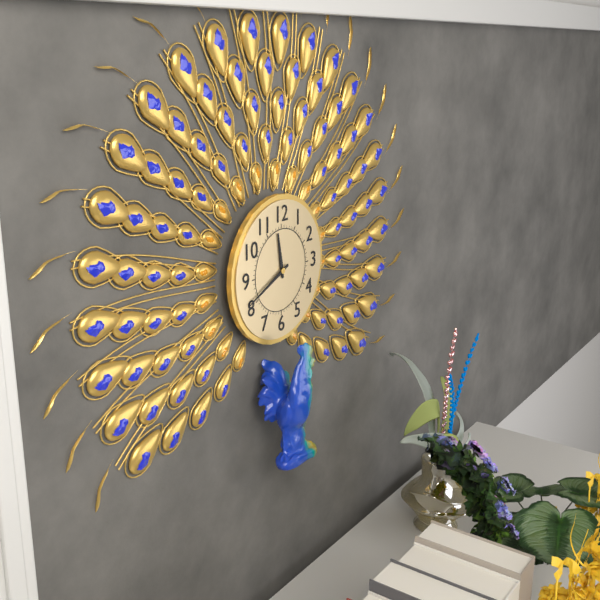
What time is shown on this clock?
11:41
